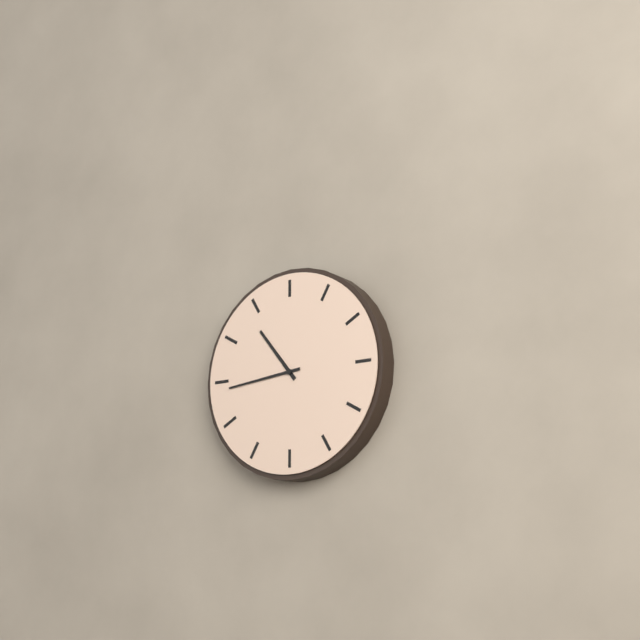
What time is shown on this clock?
10:44
